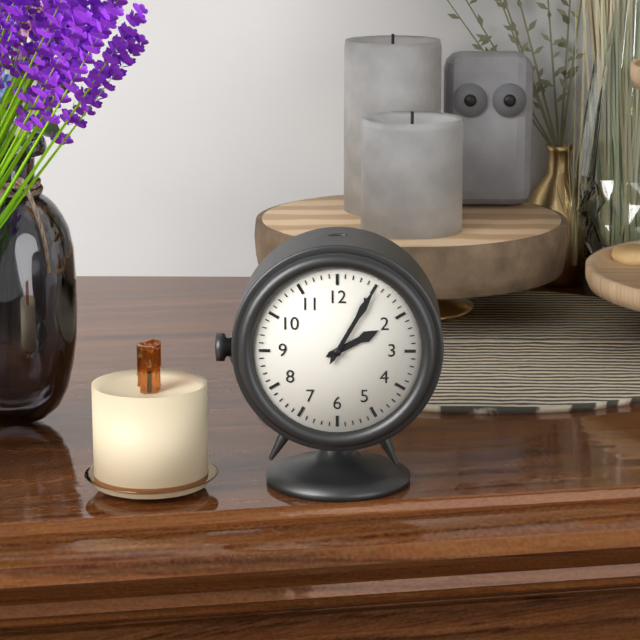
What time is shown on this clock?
2:05
